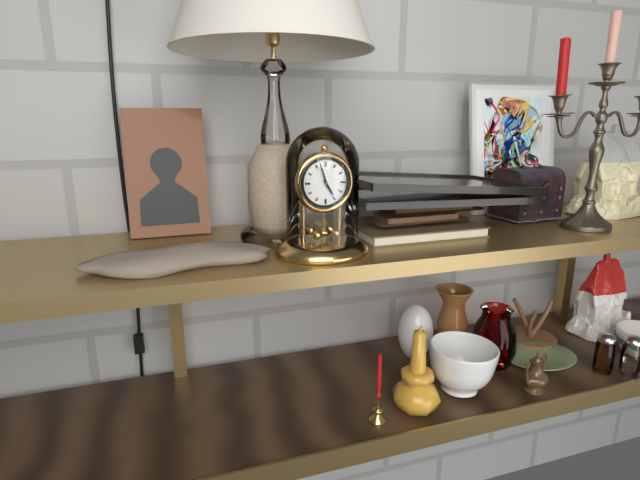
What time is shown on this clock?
4:57
